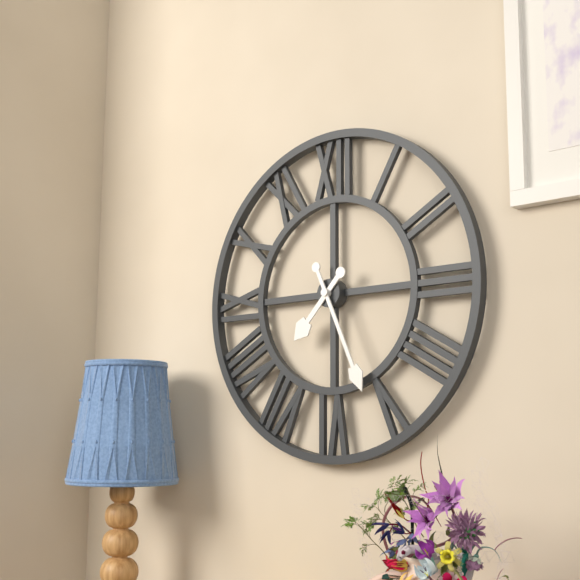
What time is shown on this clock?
7:26
